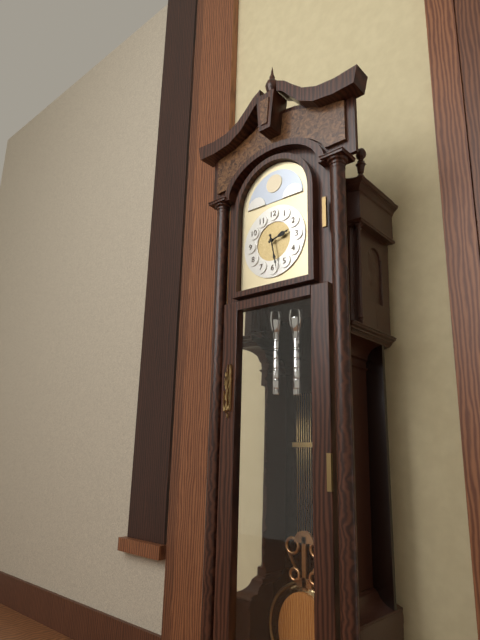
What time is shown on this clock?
2:28
